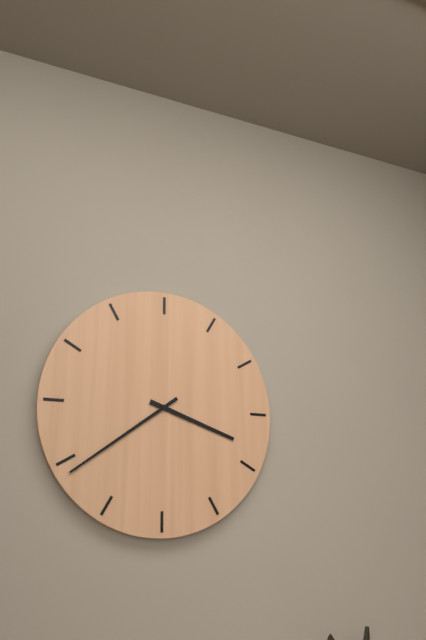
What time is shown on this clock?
3:39
